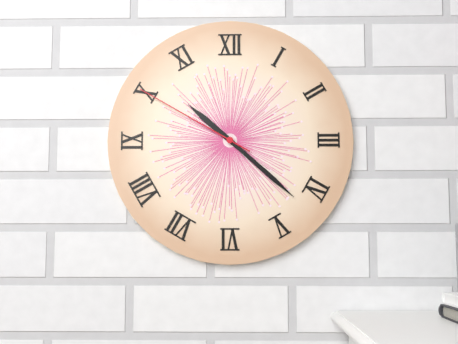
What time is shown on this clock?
10:22:50
